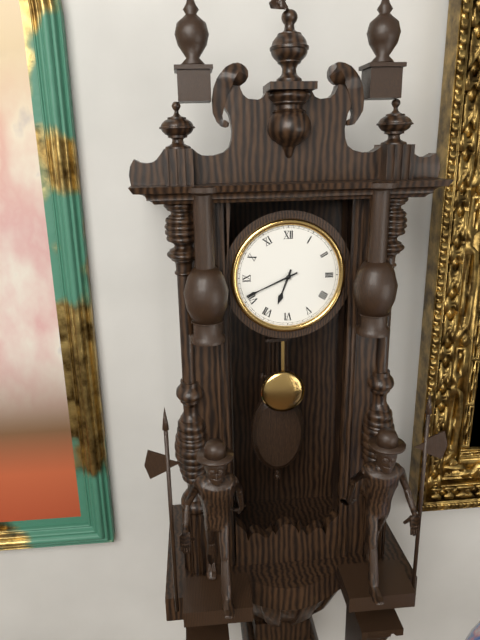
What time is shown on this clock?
6:41
